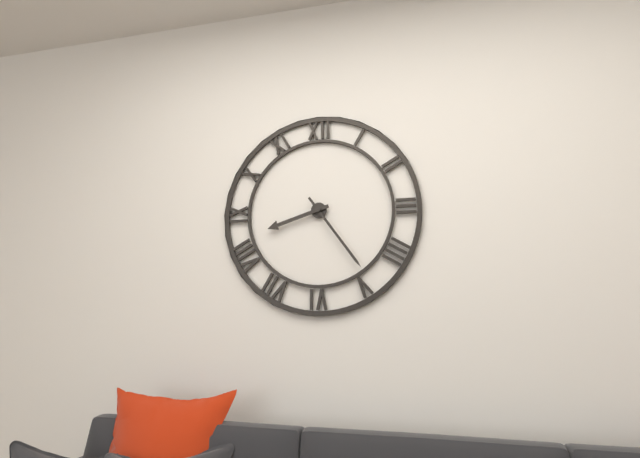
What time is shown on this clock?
8:24
